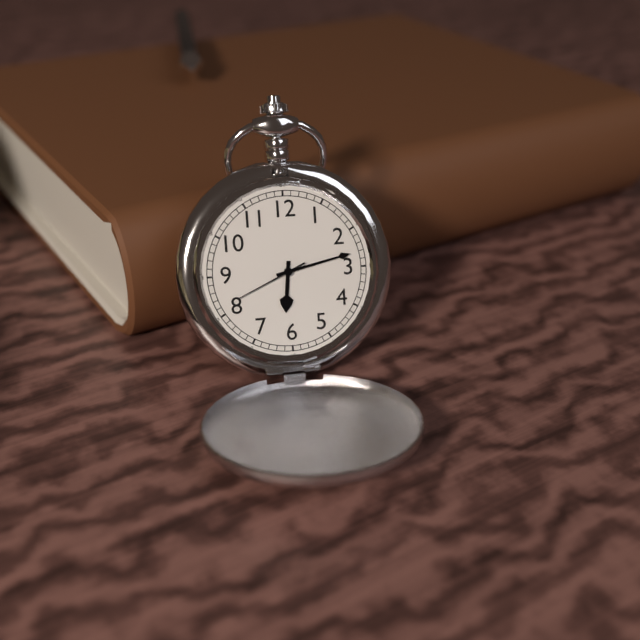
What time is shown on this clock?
6:13:41
